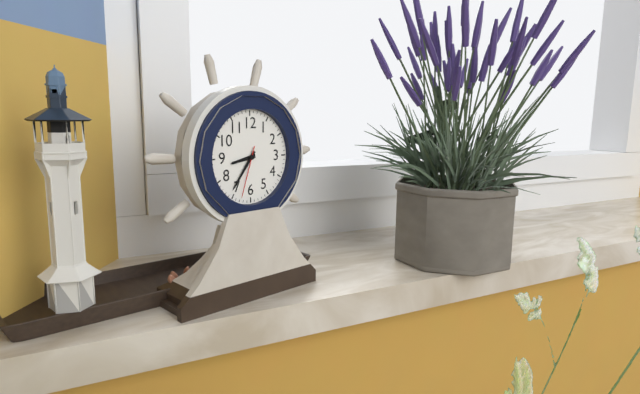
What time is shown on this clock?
8:36:33
